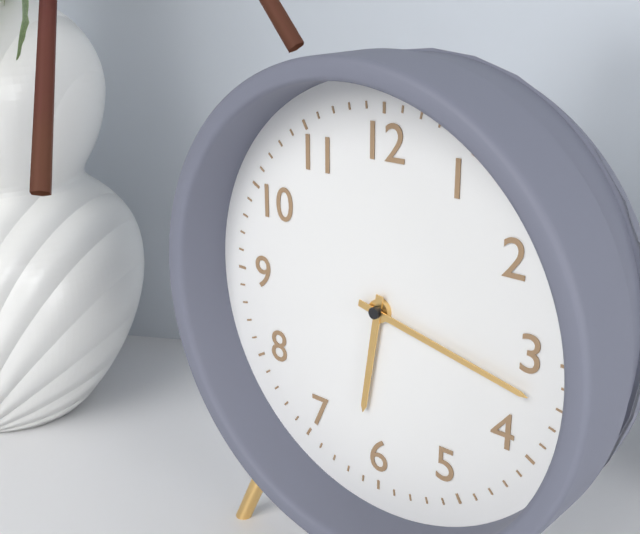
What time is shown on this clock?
6:17
